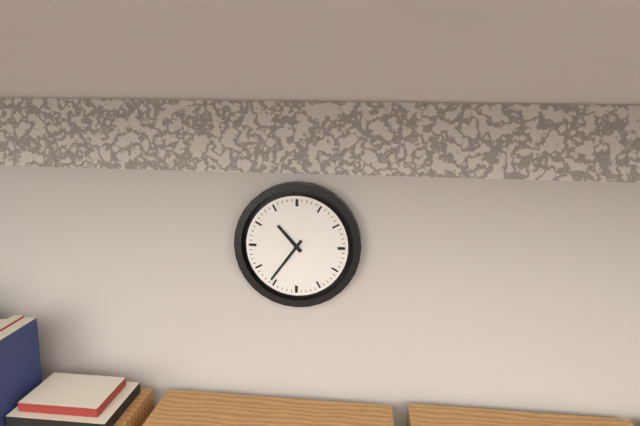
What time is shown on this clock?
10:36
